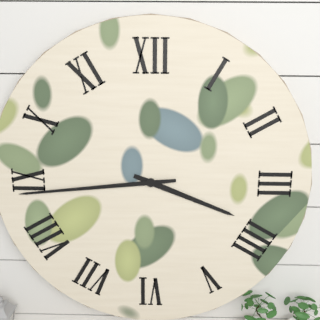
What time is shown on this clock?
3:44
